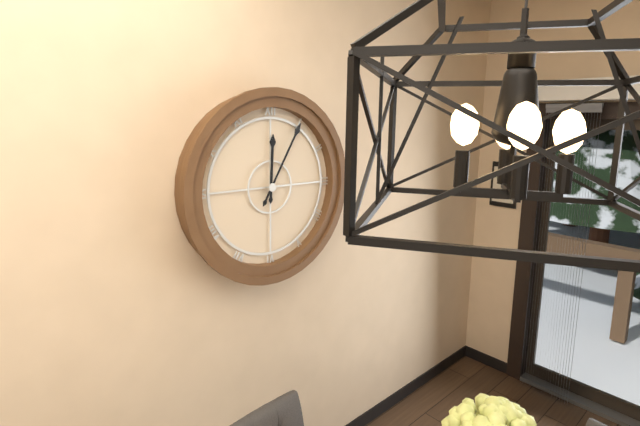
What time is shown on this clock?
12:05
